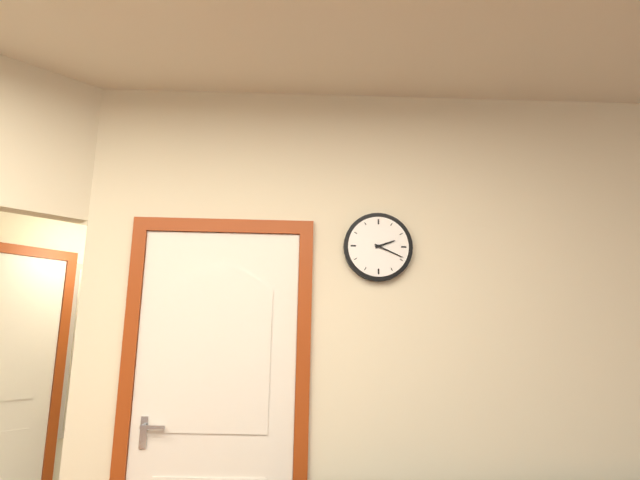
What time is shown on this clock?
2:19
